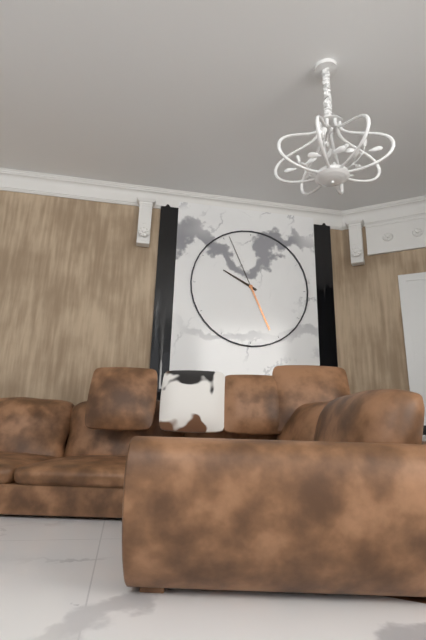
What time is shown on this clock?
9:56
